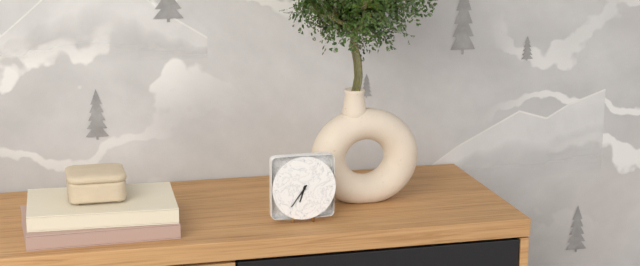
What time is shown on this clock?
6:36
